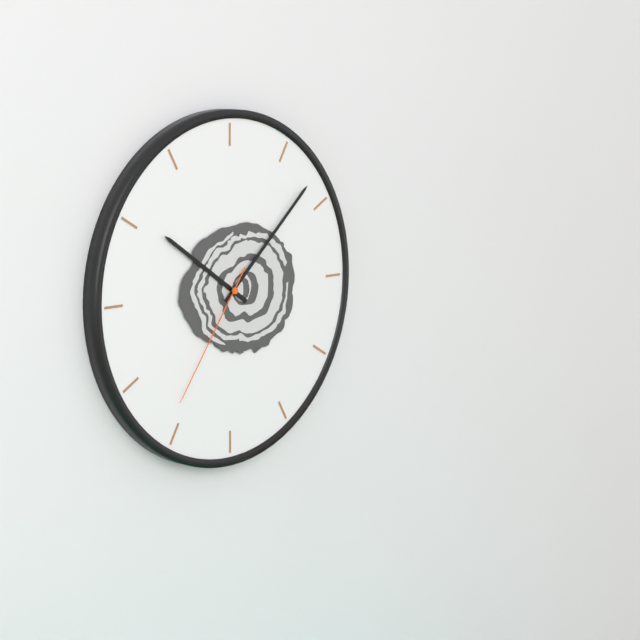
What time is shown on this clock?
10:08:36
